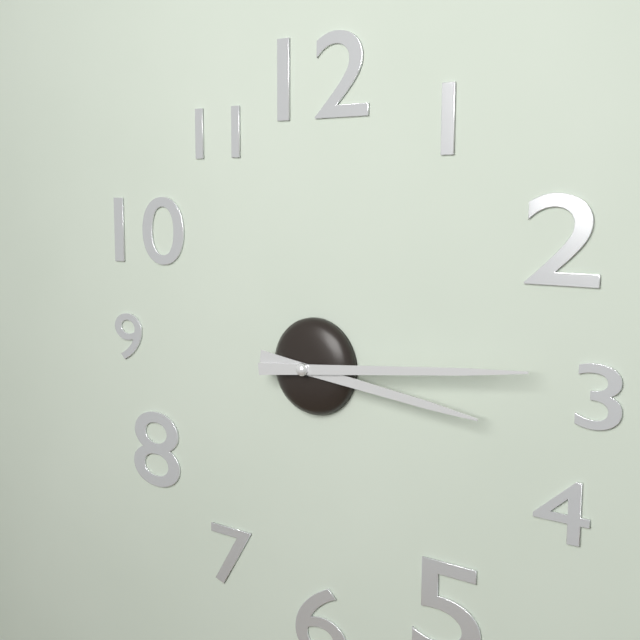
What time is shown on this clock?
3:14
